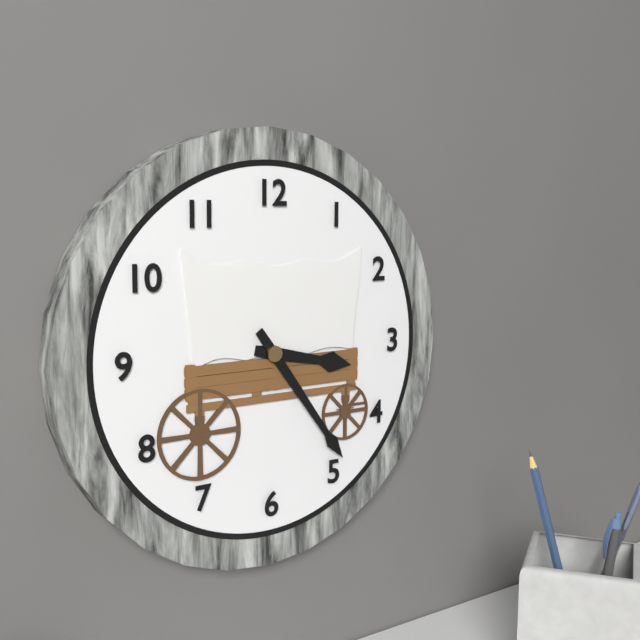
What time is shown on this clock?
3:24
